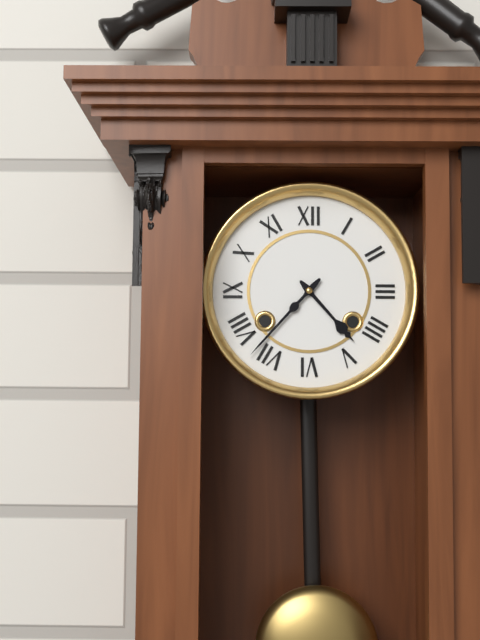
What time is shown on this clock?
4:37
